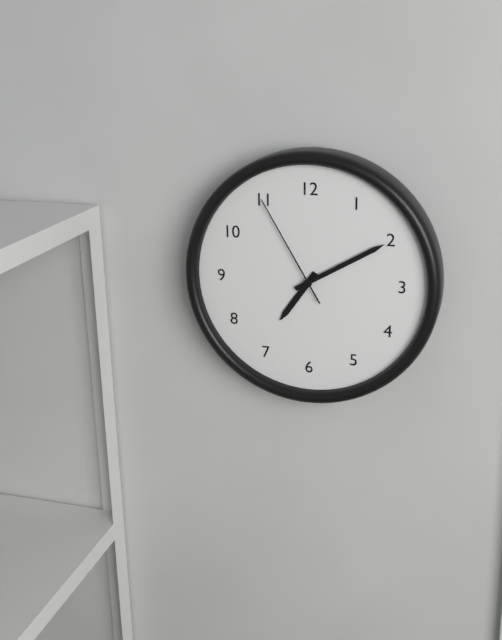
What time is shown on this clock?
7:10:55
